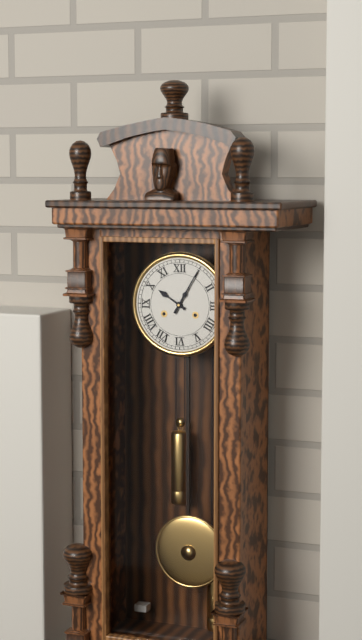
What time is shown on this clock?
10:05
